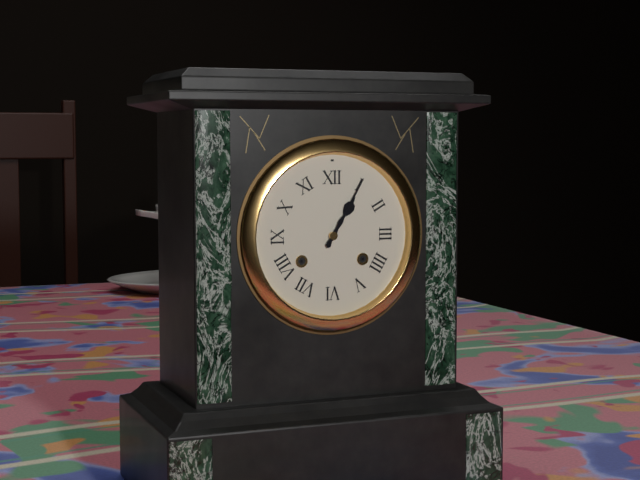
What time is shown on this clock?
1:05
